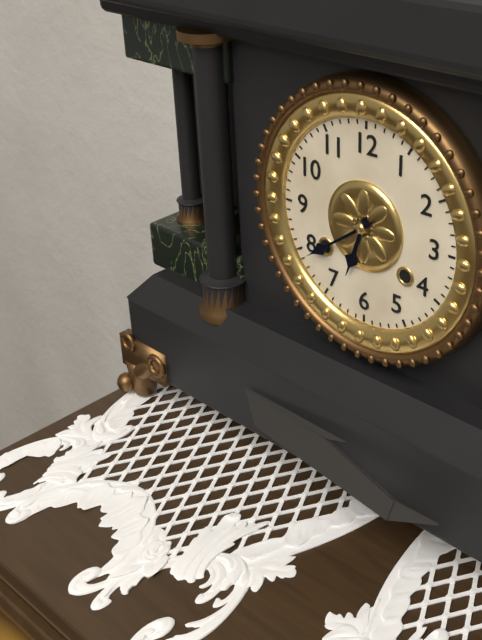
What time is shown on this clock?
6:39
